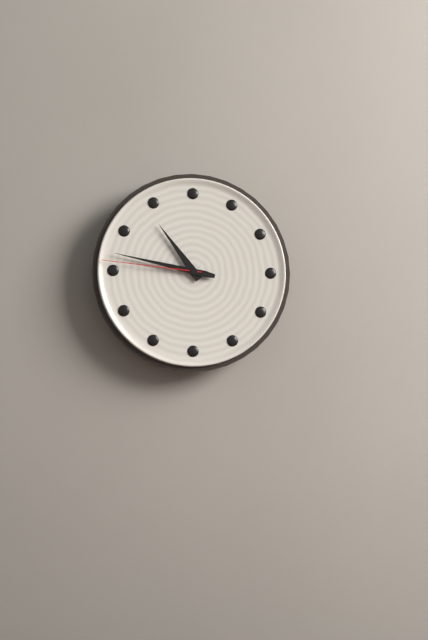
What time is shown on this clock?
10:47:46
